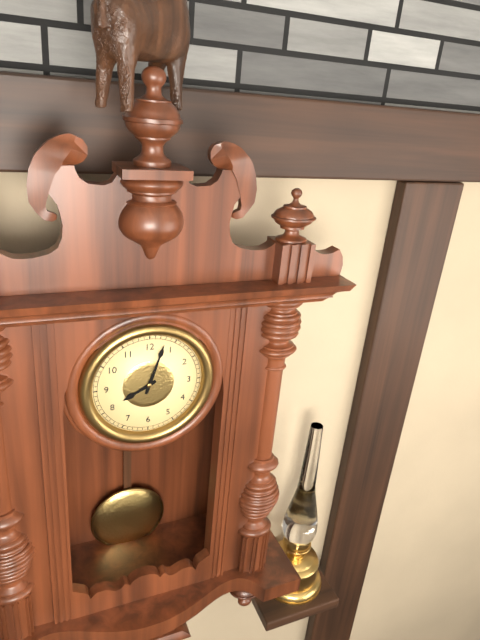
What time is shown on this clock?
8:03
